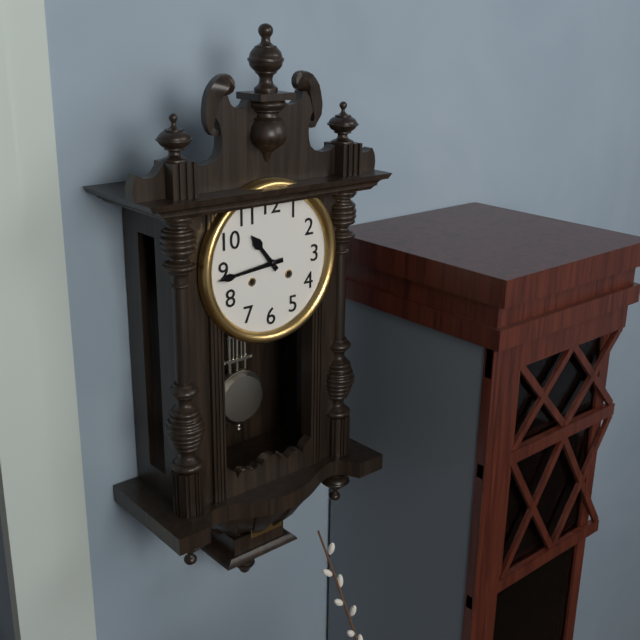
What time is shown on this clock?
10:44
